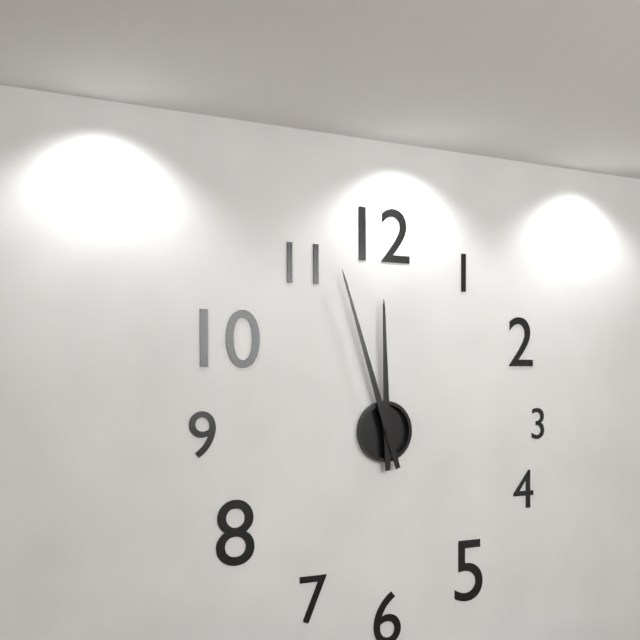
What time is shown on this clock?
11:57
